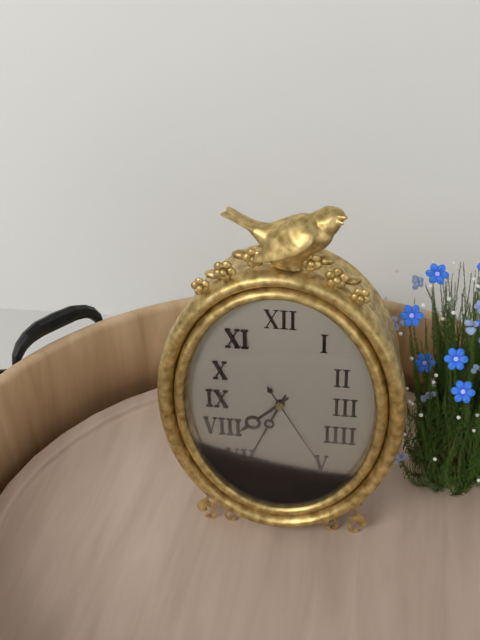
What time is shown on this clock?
7:34:25
